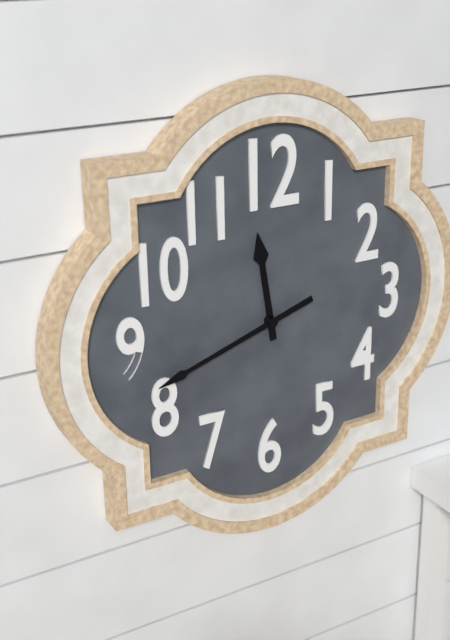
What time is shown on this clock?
11:42
